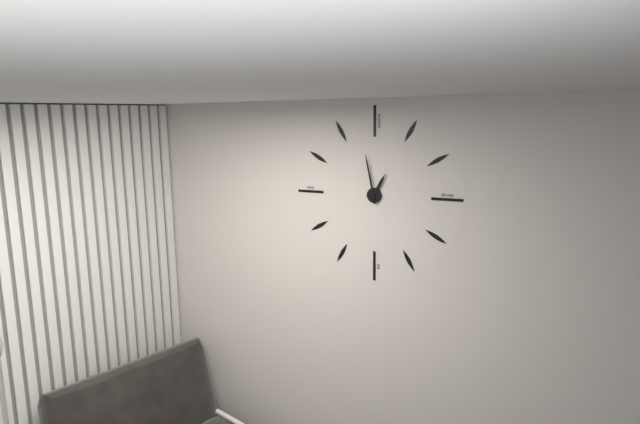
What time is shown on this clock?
12:58
